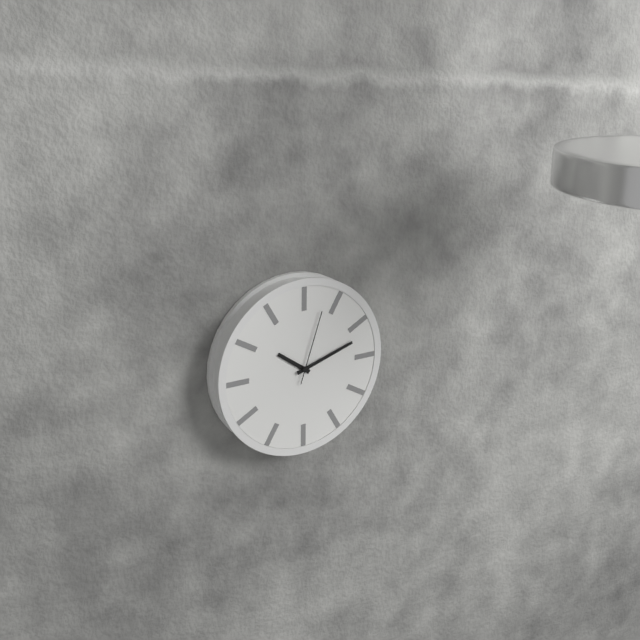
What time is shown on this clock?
10:12:03
